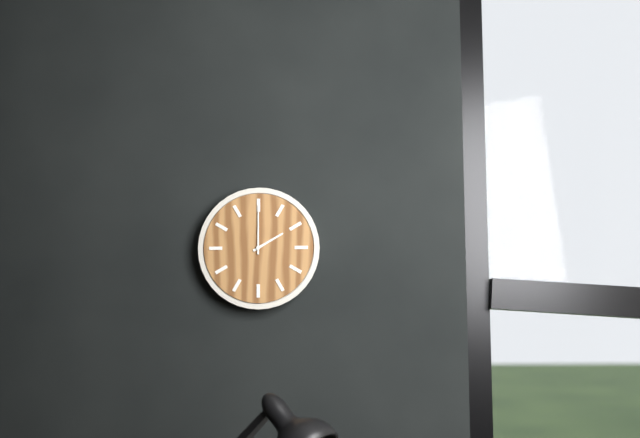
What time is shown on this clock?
2:00
